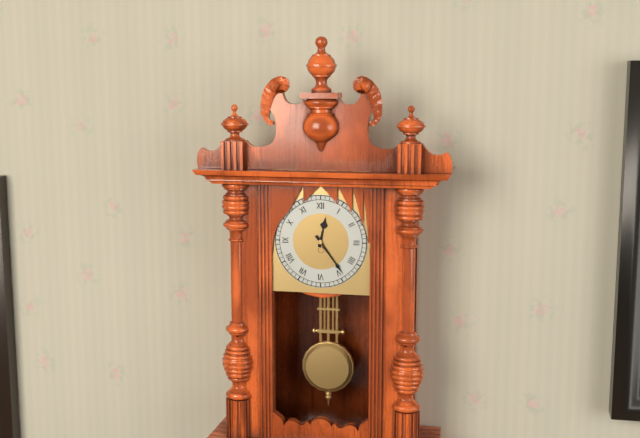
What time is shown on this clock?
12:24
